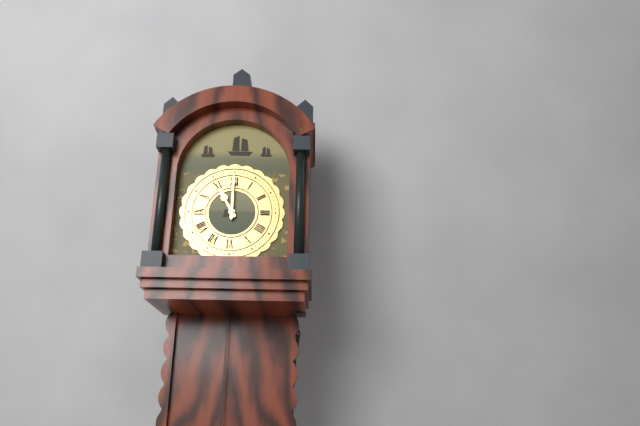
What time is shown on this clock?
11:00
